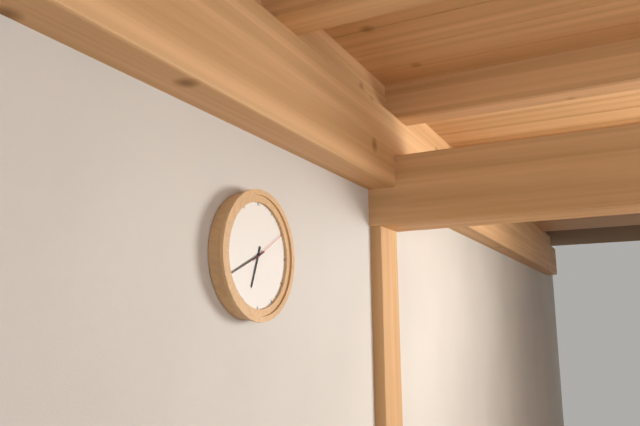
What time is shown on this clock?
6:41
